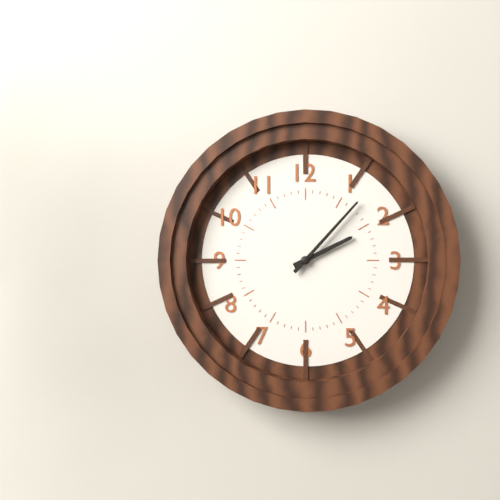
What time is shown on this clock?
2:07
